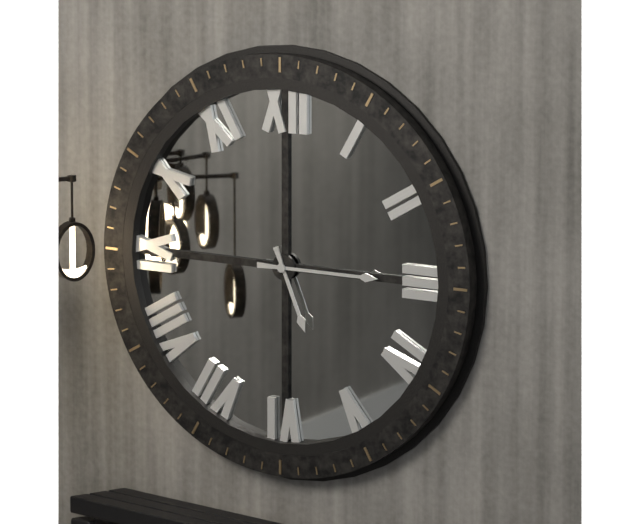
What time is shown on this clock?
5:15
